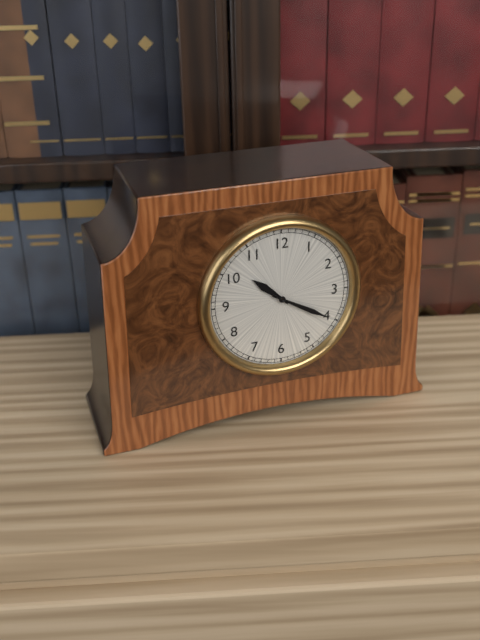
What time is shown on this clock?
10:20
